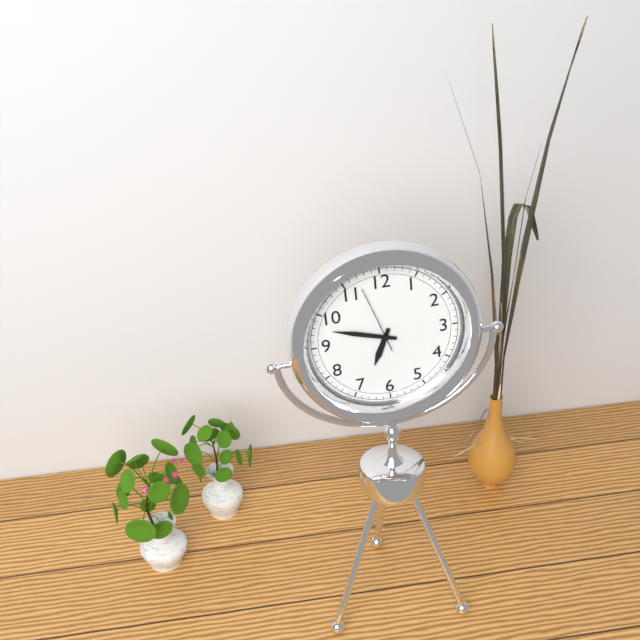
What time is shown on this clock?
6:48:57
